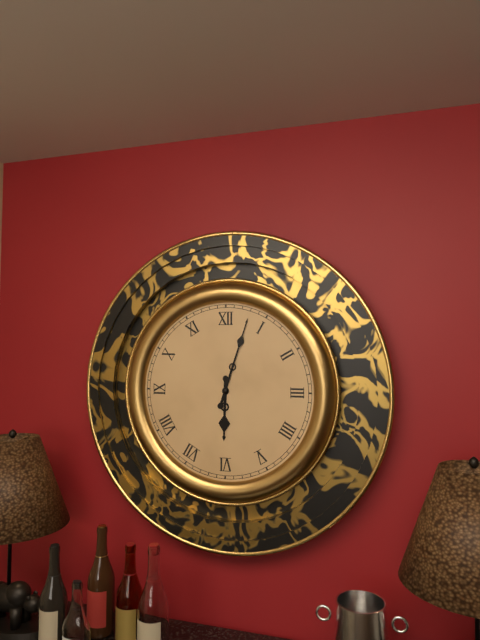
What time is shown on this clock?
6:03
